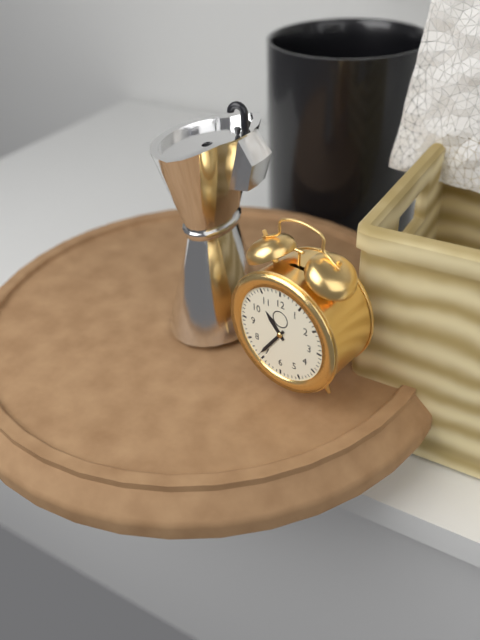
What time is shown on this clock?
10:36
